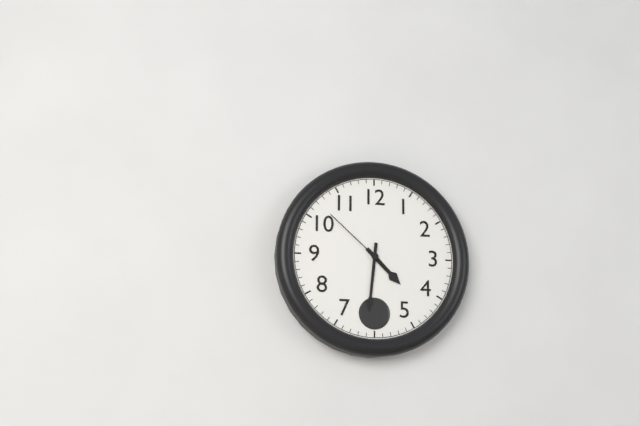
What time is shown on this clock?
4:31:52
